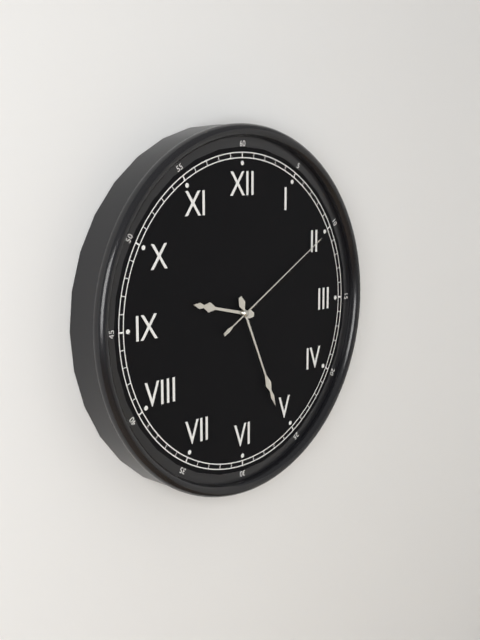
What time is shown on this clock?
9:26:10
